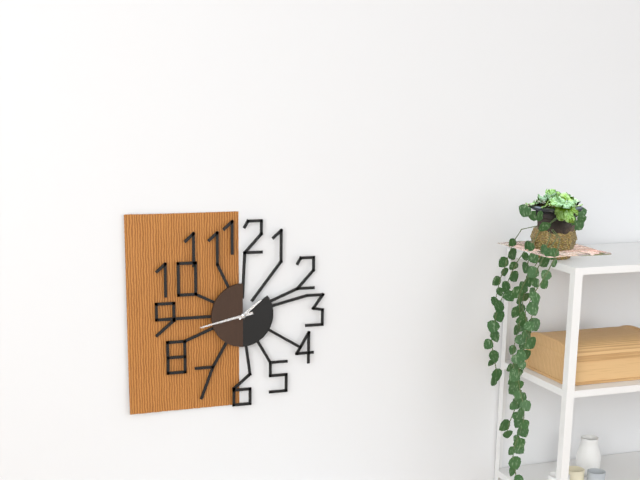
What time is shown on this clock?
1:43
